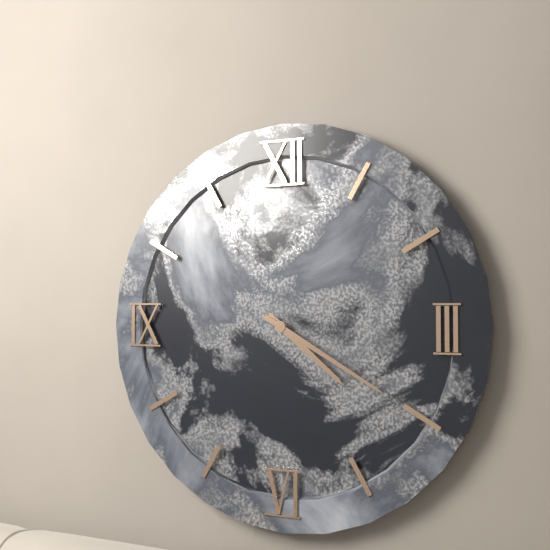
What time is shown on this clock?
4:20
